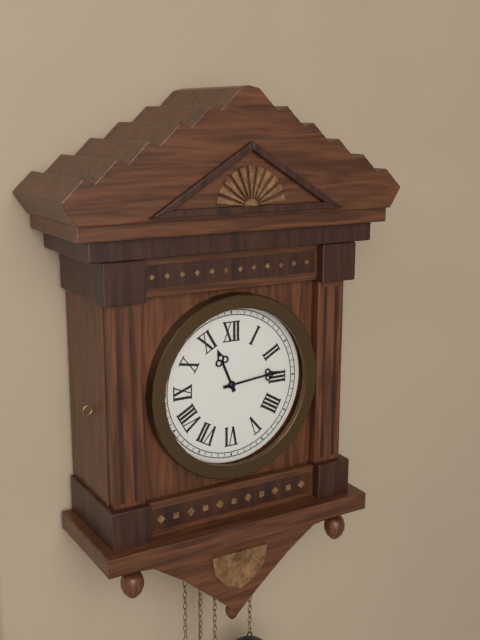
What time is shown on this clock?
11:14
